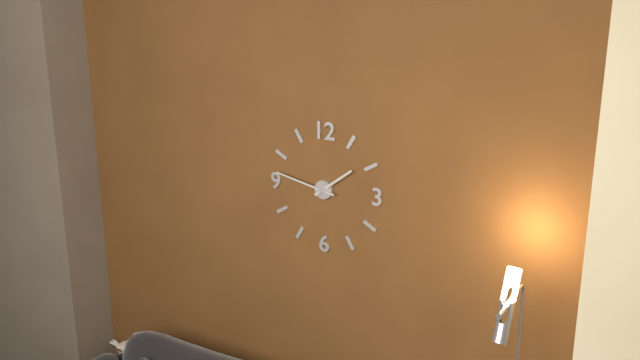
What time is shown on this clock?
1:47
